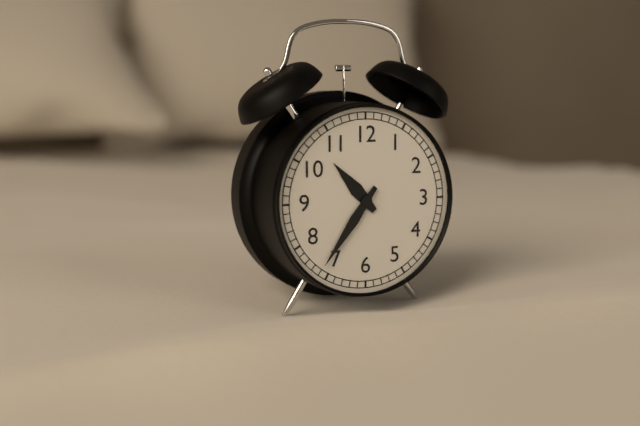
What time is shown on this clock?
10:36
